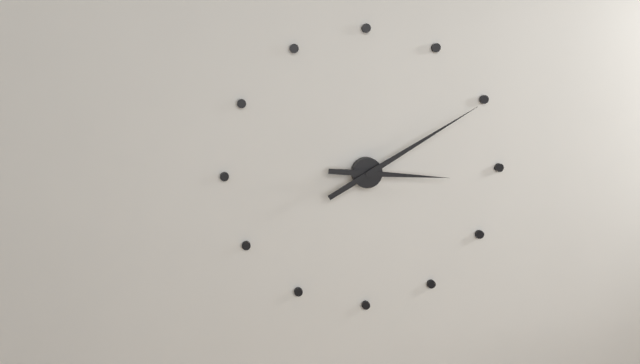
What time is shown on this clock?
3:10
